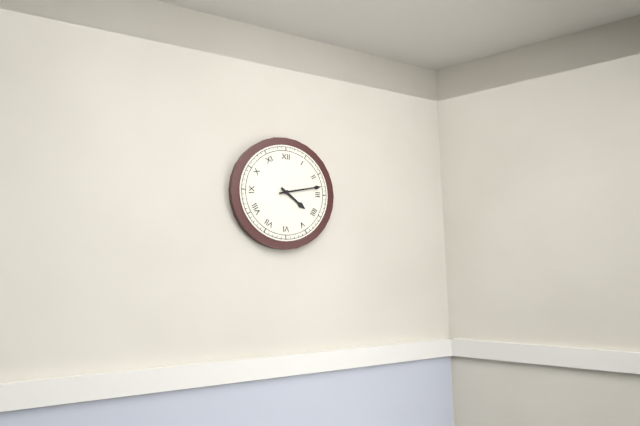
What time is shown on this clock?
4:13
